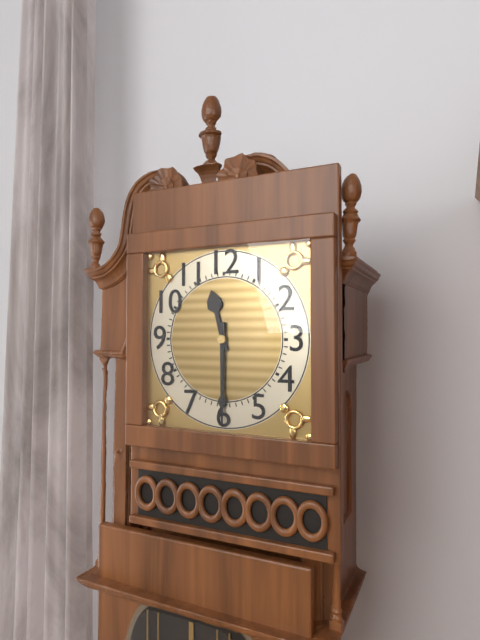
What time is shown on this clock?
11:30
